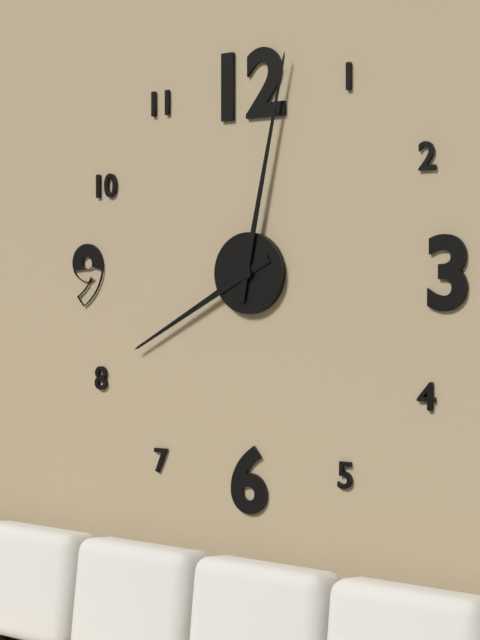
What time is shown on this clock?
8:02
